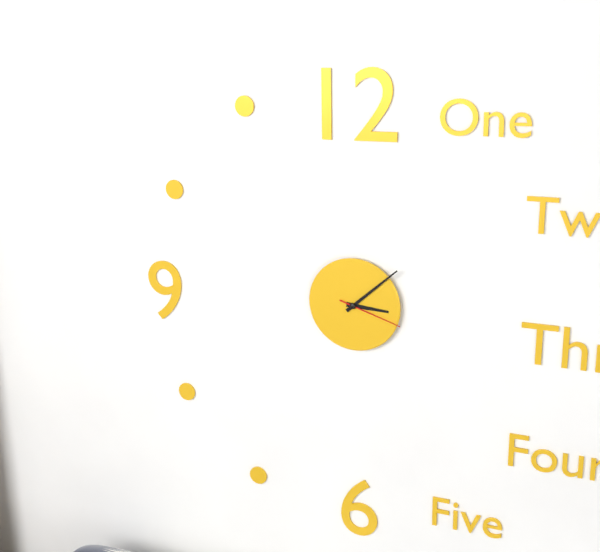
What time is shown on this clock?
3:08:18
